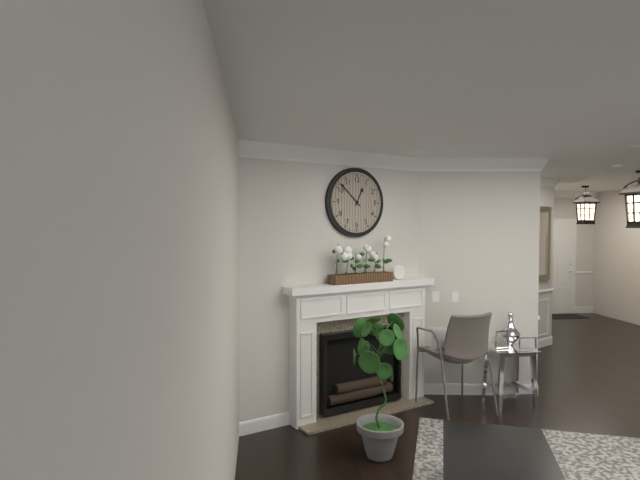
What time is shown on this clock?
12:52
